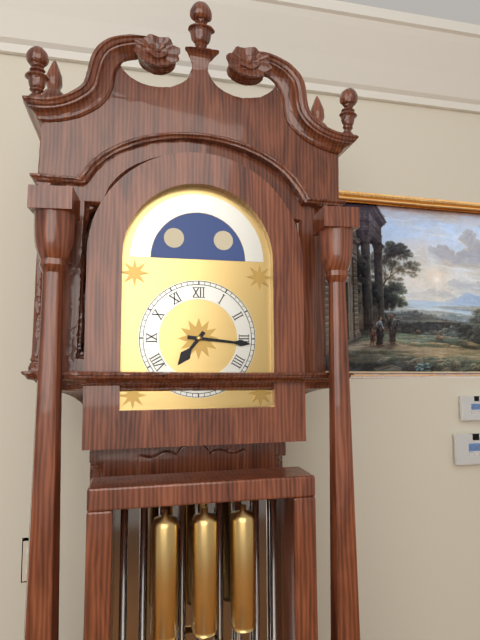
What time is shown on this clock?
7:16
